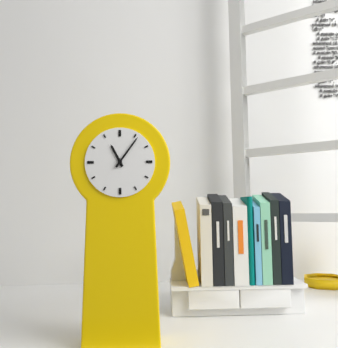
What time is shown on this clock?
11:06
